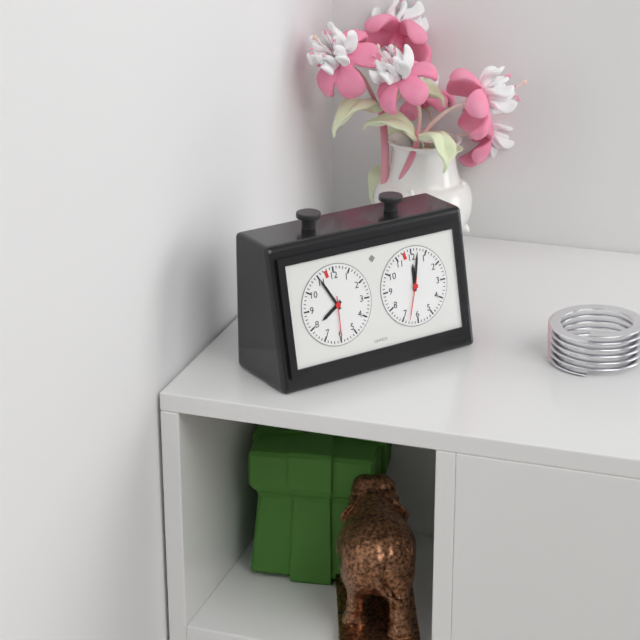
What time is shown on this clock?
7:55
